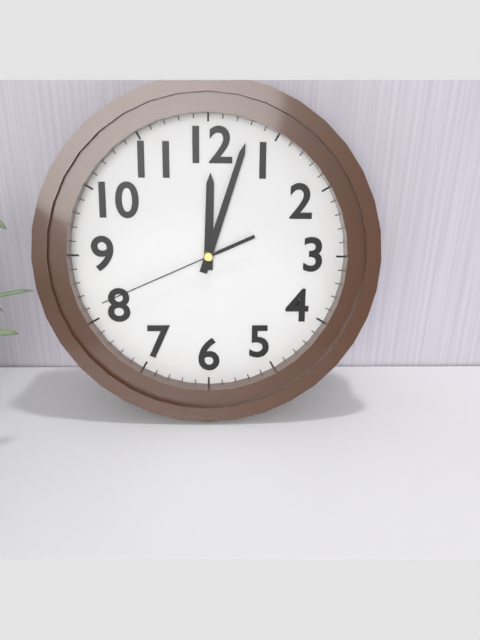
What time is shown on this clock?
12:03:41
